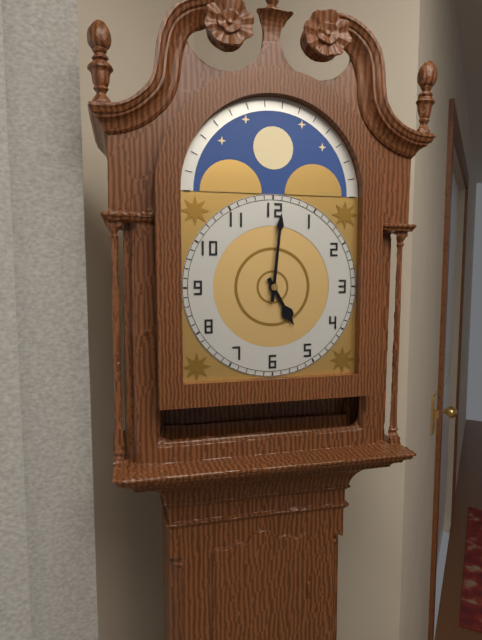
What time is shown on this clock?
5:01
